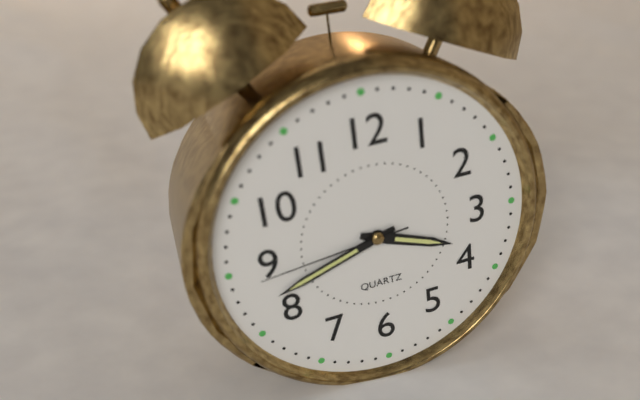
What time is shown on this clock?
3:42:44
